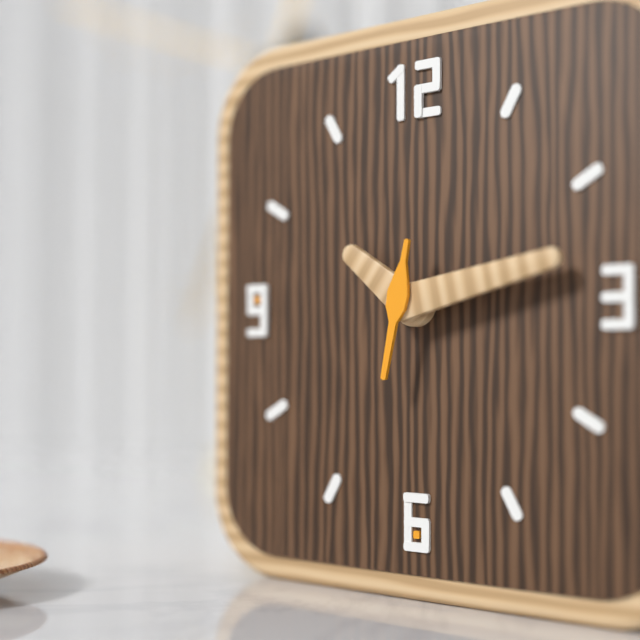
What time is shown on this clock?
10:13:32
